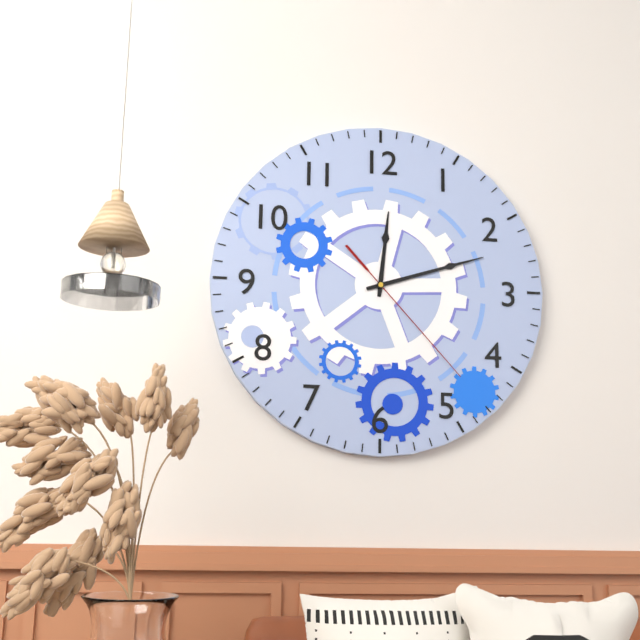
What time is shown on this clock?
12:12:23
